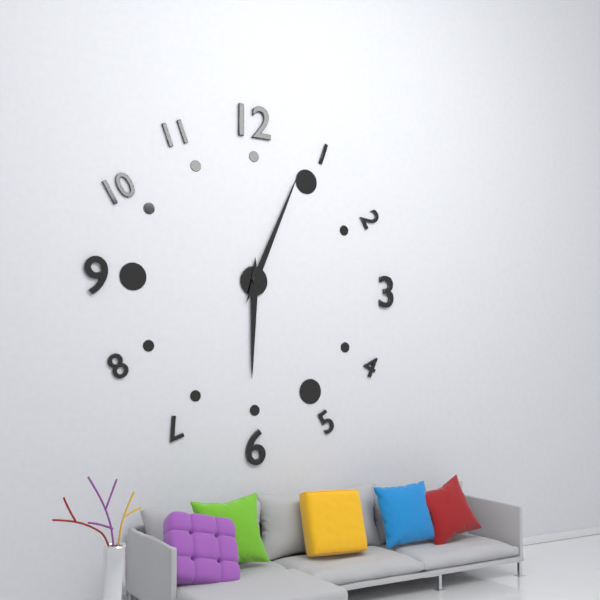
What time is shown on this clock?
6:04
